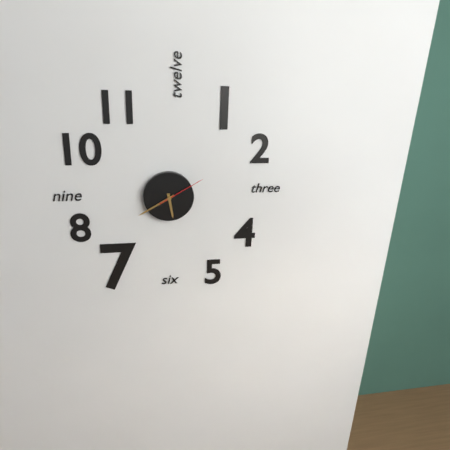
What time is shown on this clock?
5:40
